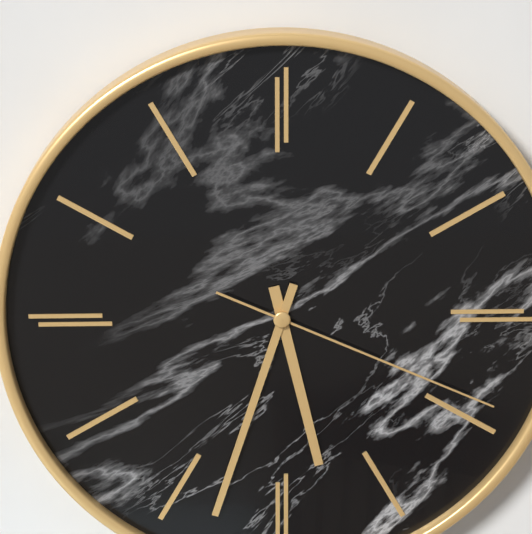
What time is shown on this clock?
5:33:19
